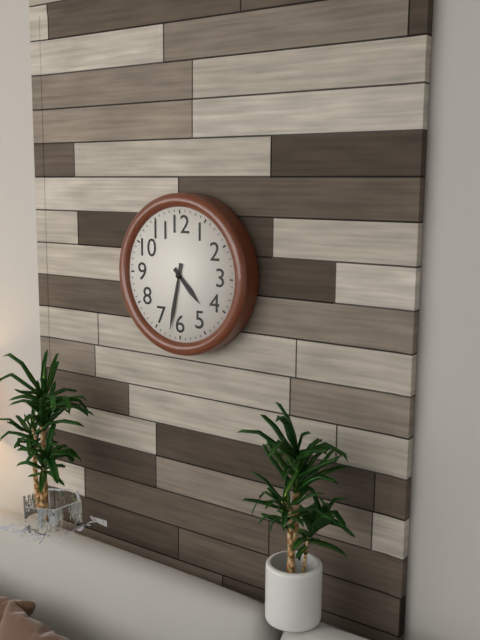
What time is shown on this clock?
4:32
